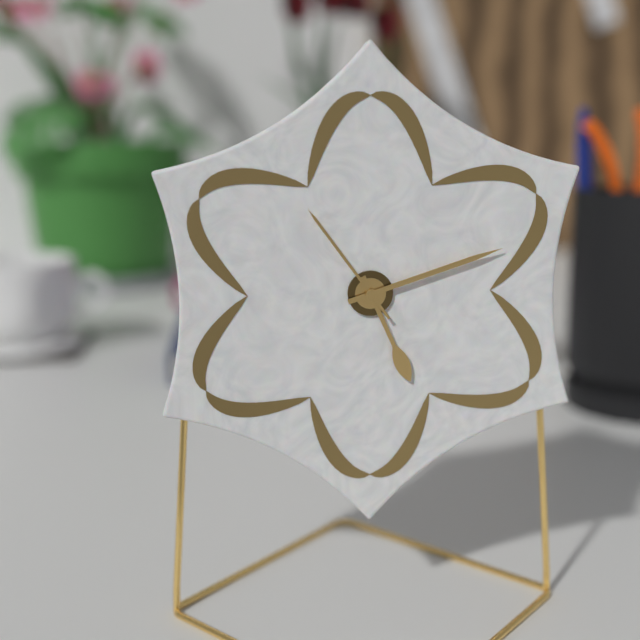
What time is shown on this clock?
5:12:54
